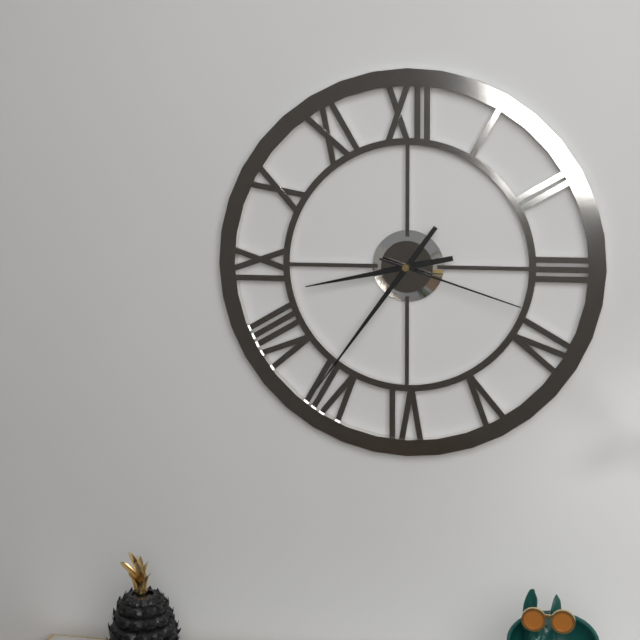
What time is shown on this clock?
8:36:18
